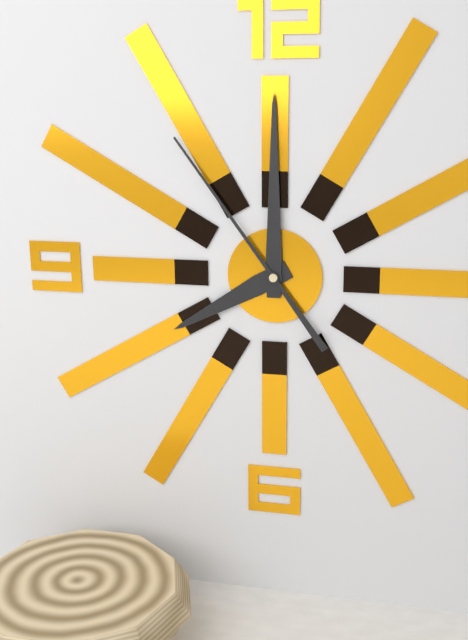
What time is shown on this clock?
8:00:54
